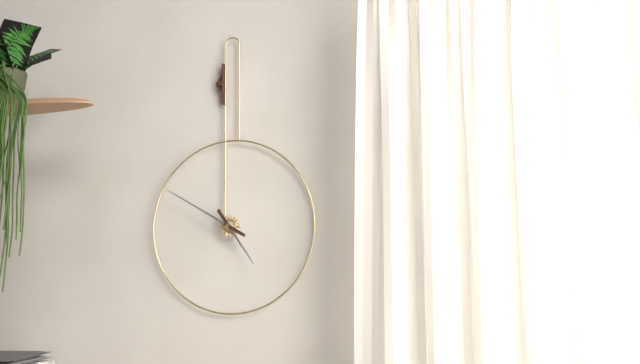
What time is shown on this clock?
4:50
